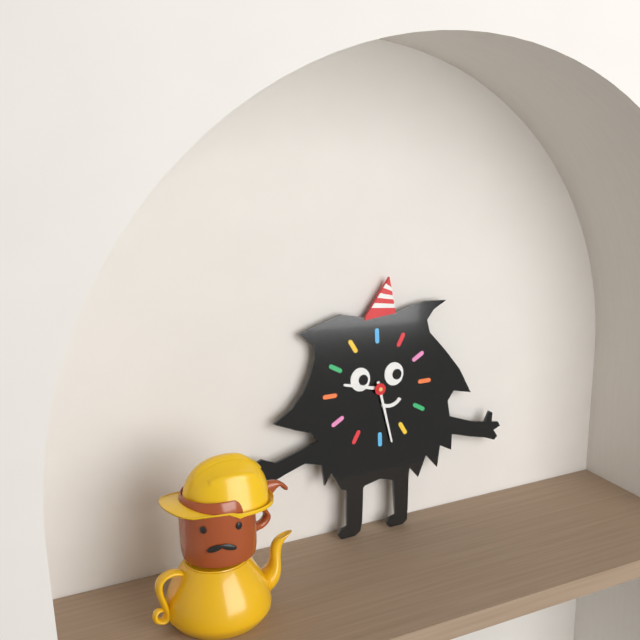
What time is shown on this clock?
9:28
